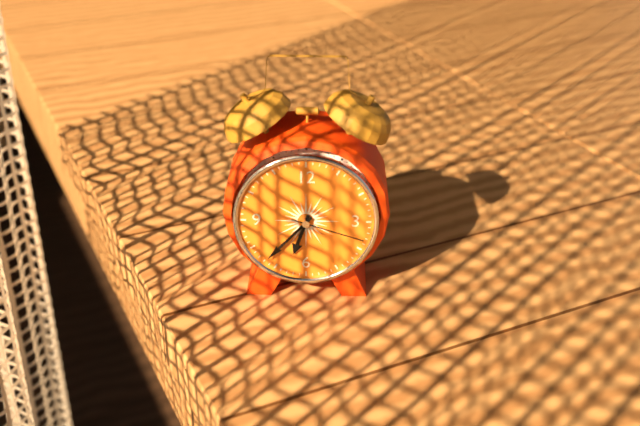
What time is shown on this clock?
6:37:18
